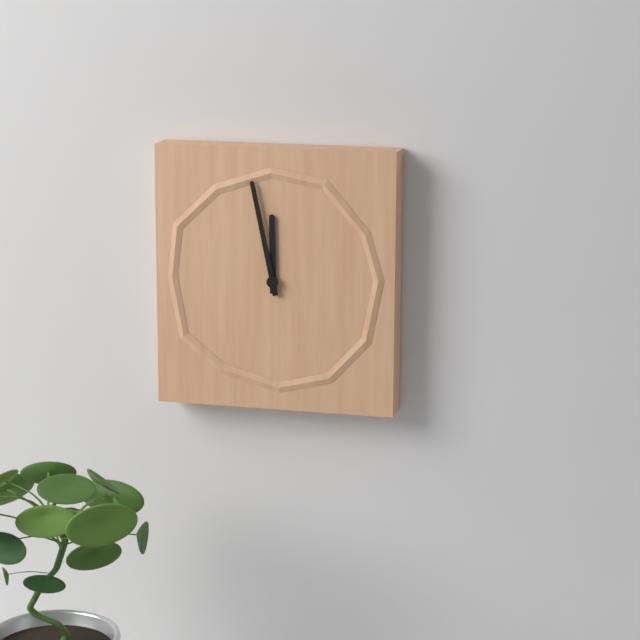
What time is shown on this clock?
11:58
